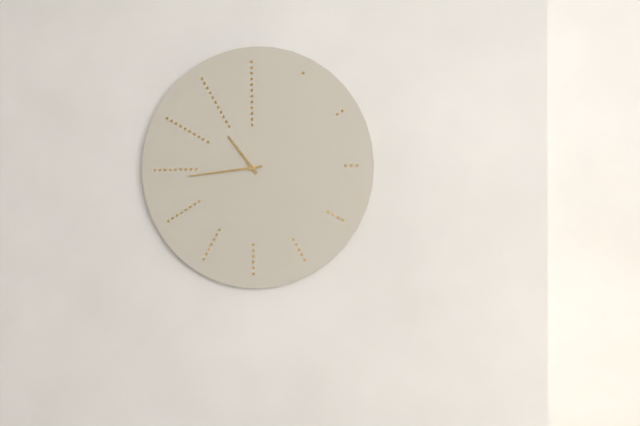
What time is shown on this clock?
10:44
